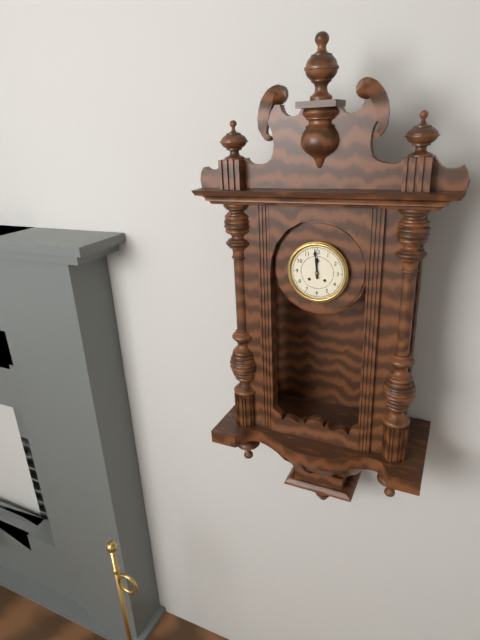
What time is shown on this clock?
11:59
